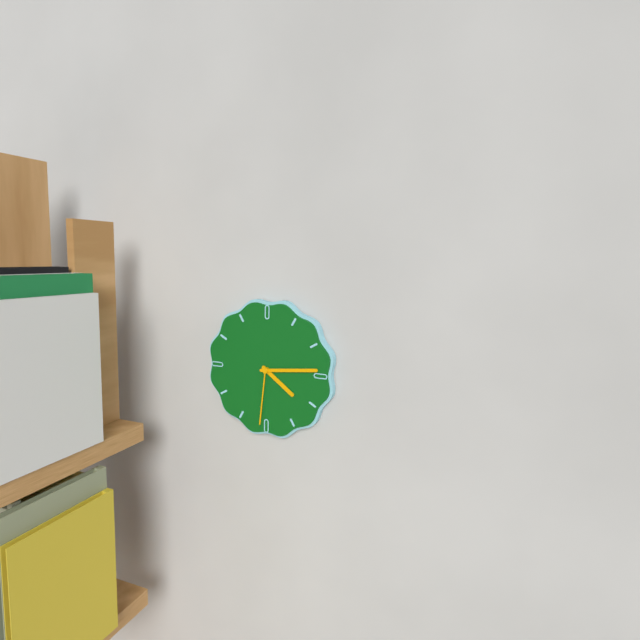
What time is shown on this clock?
4:14:31
